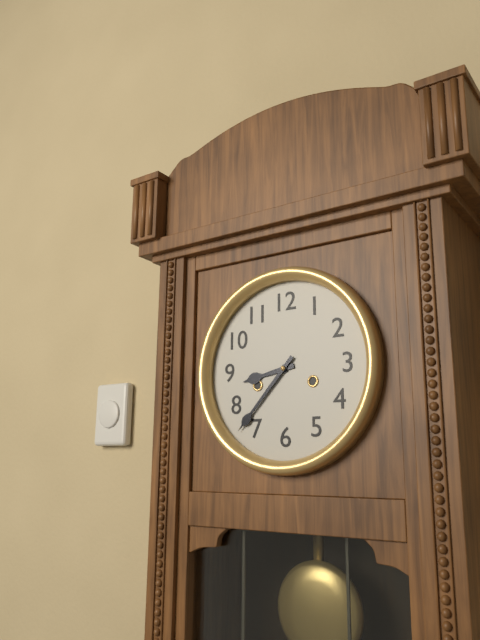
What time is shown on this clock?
8:37
